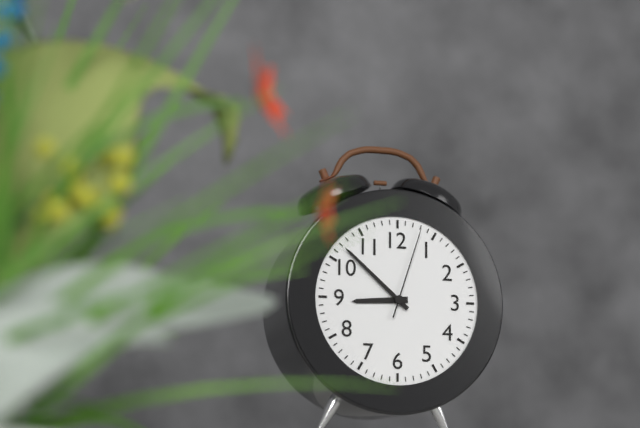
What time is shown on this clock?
8:52:03
